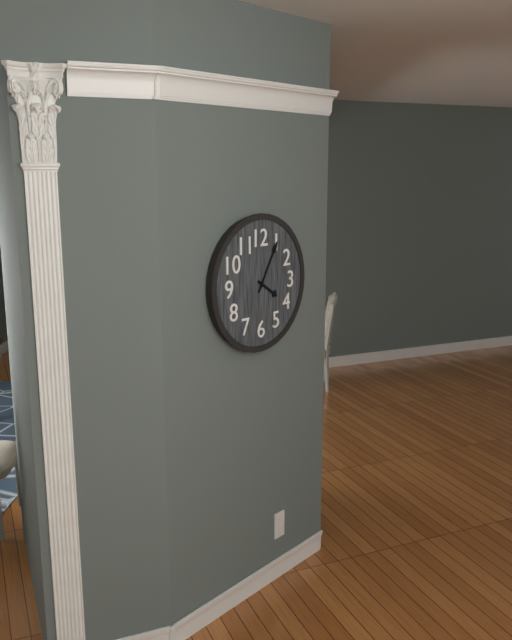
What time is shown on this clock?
4:05
